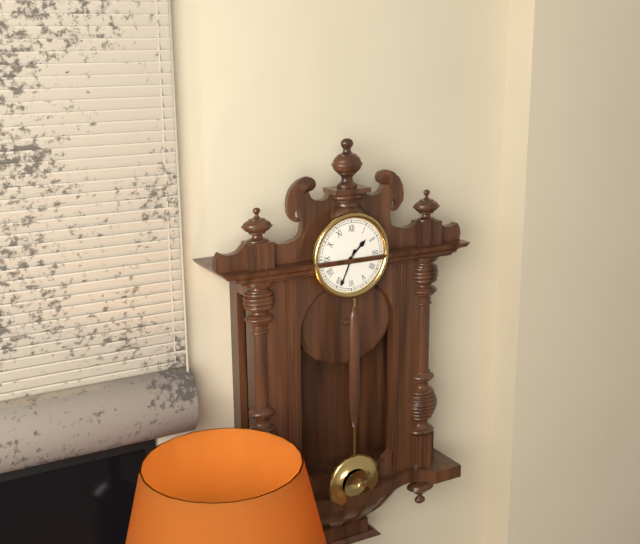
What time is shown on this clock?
1:34
